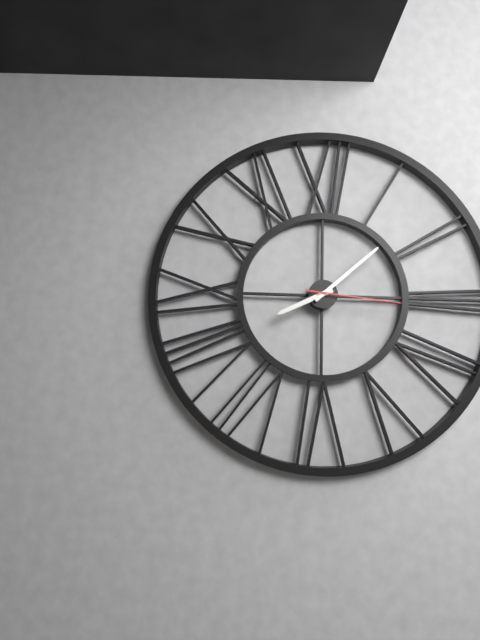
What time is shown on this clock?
8:08:16
